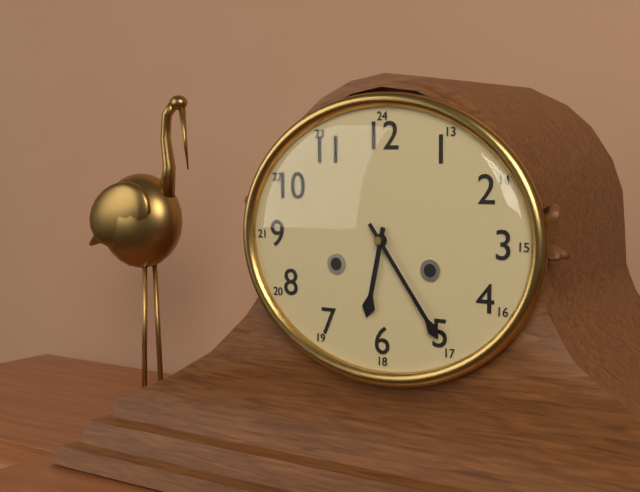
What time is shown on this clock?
6:24
